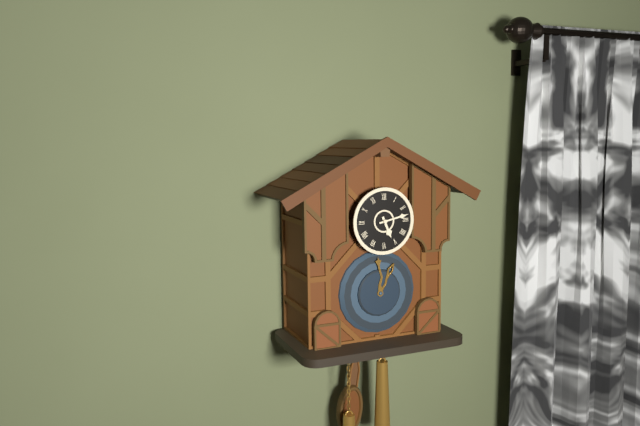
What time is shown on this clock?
5:13
